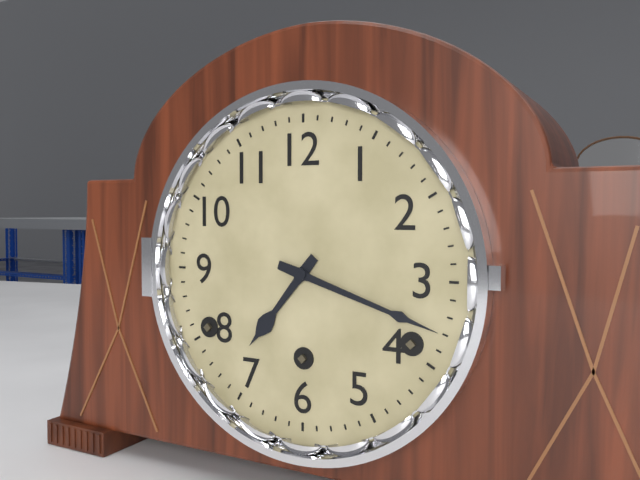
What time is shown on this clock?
7:18
